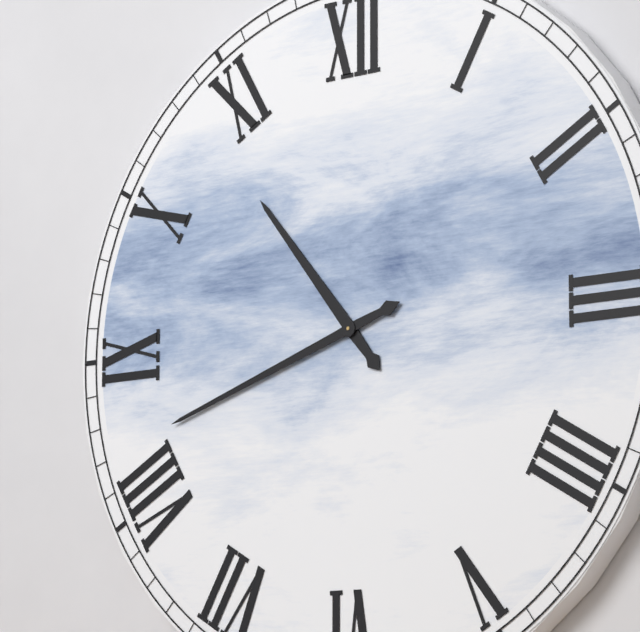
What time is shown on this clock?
10:42
